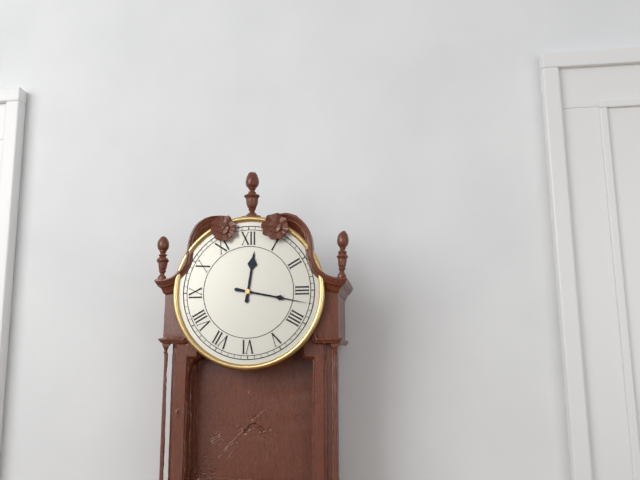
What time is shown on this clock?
12:17
